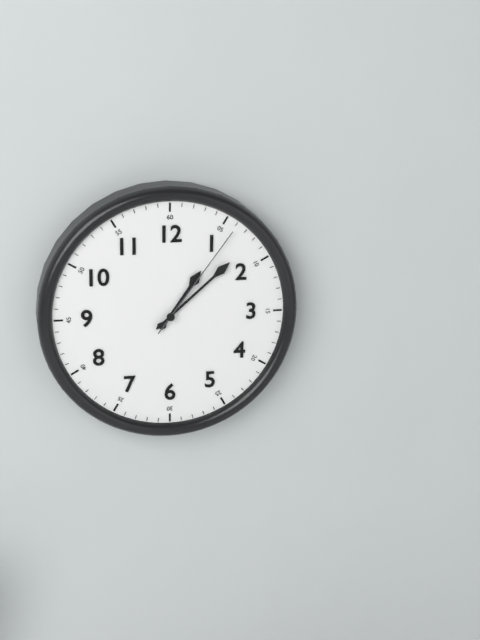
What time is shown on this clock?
1:08:06
